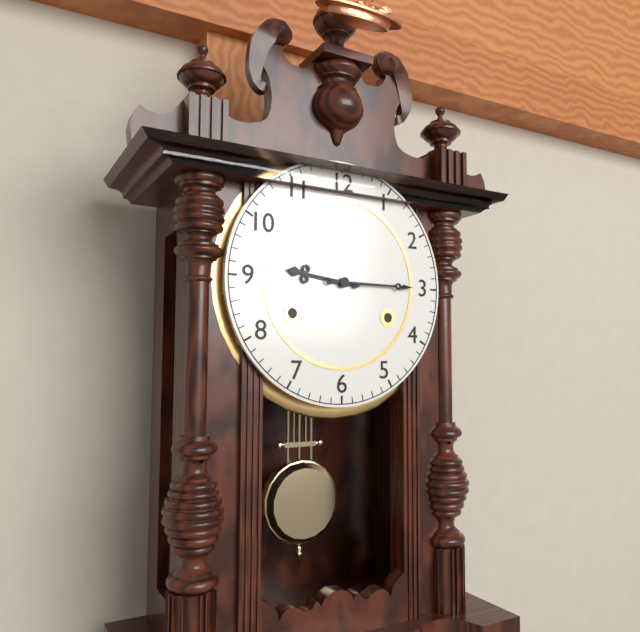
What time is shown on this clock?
9:15
